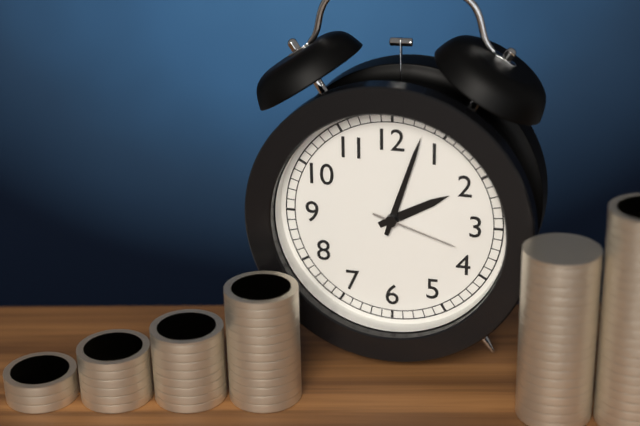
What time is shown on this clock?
2:03:18
